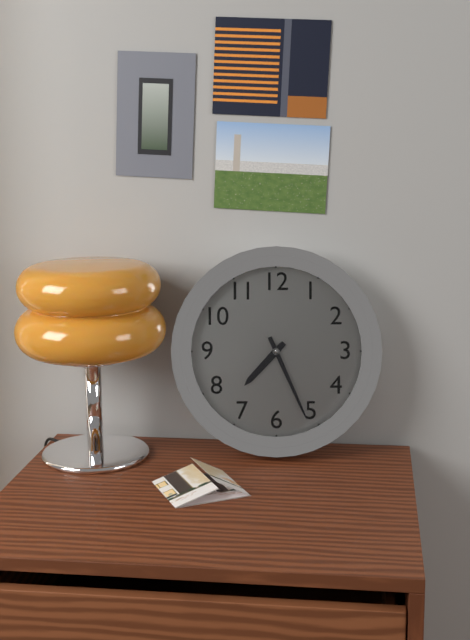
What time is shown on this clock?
7:26
